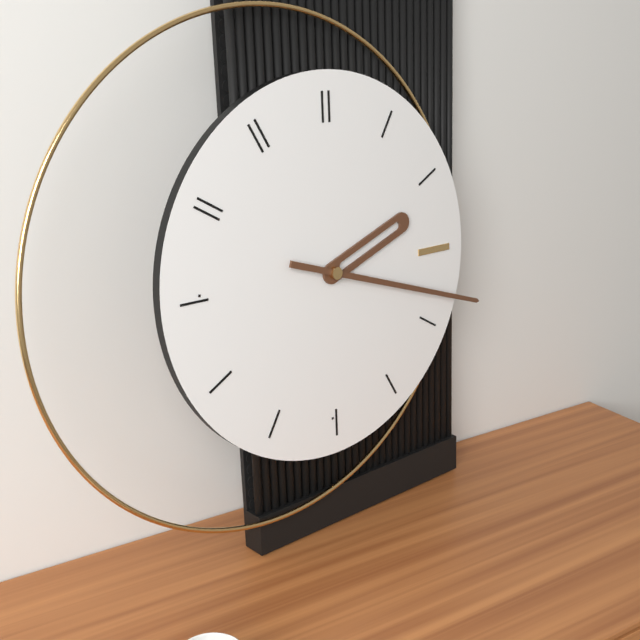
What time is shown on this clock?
2:18
